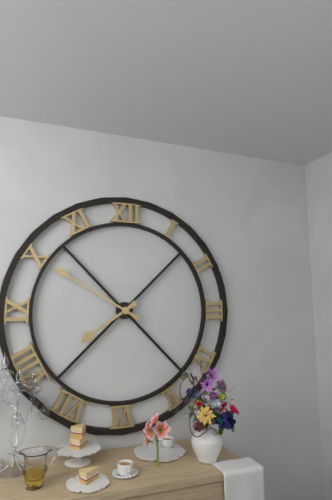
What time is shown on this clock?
7:50
